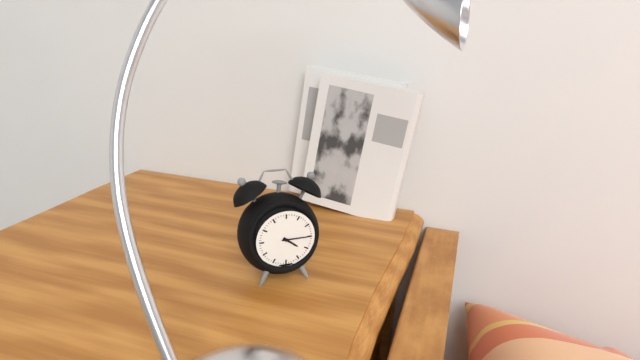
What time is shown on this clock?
4:15
